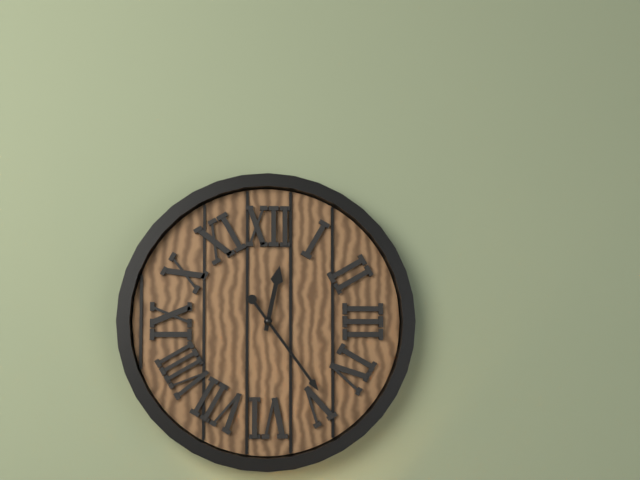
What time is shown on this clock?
12:24
